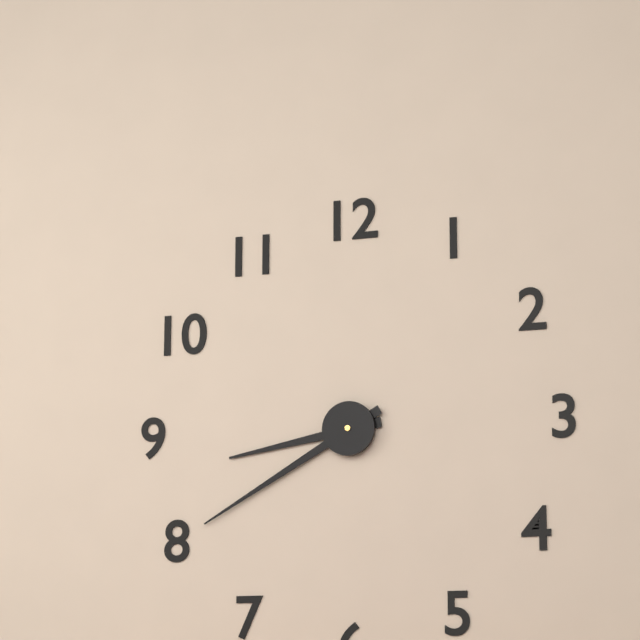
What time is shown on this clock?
8:40
